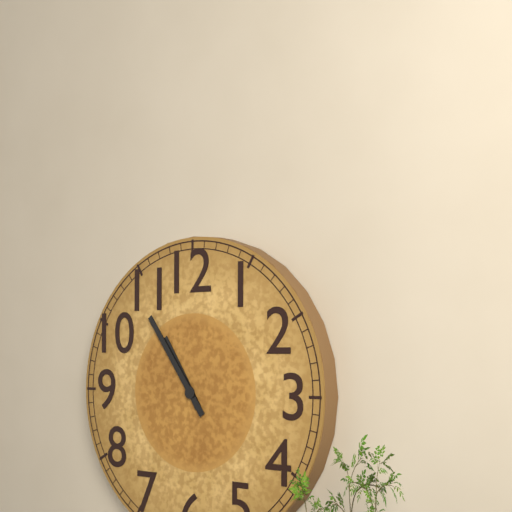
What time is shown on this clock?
10:54
